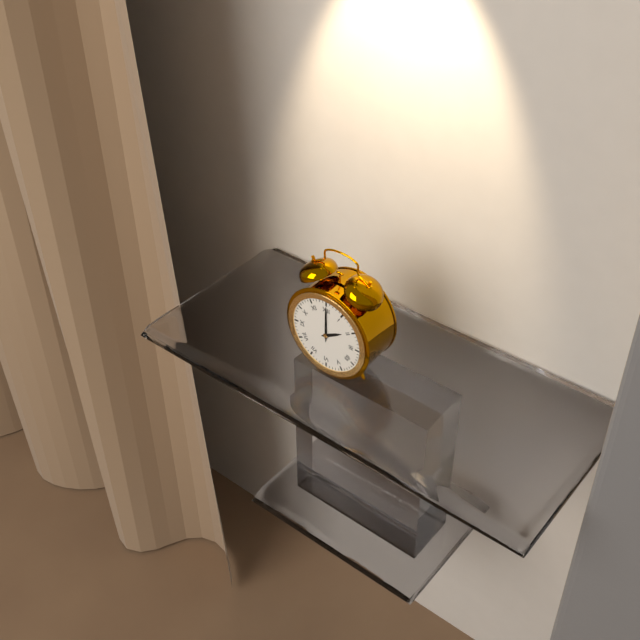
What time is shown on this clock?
2:00
